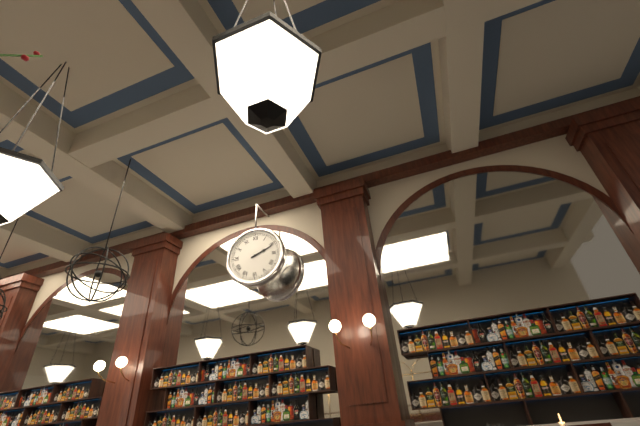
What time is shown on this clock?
2:11
